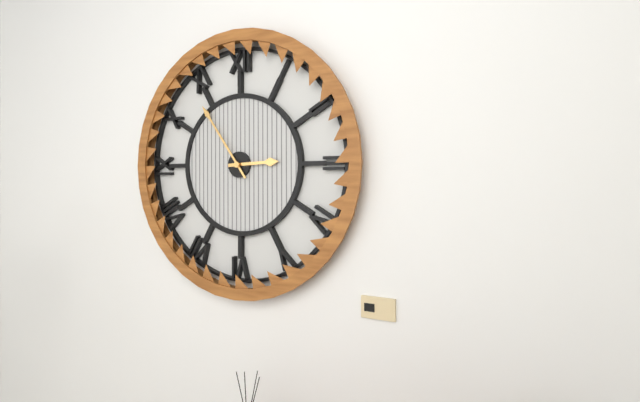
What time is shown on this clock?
2:54
